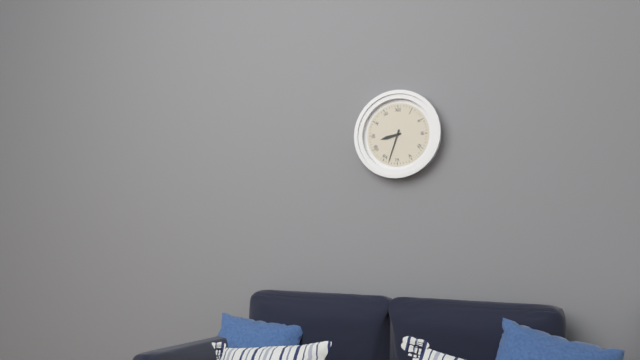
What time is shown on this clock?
8:33
